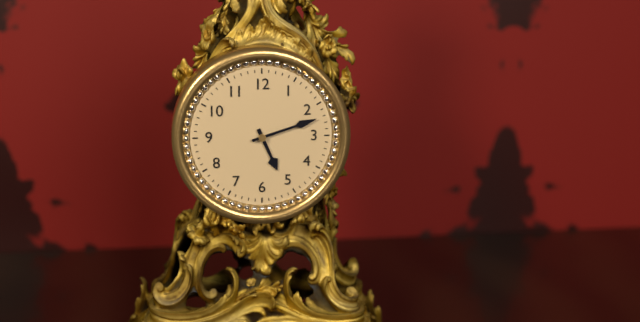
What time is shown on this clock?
5:12
